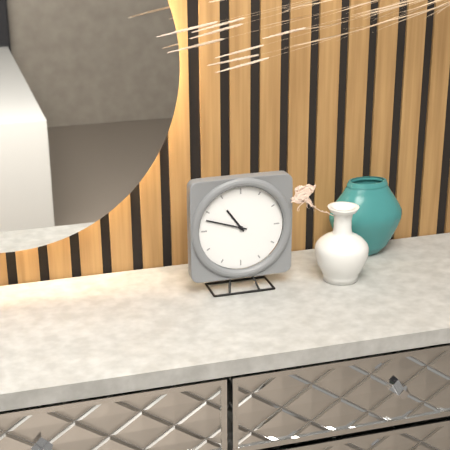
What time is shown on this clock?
10:48
